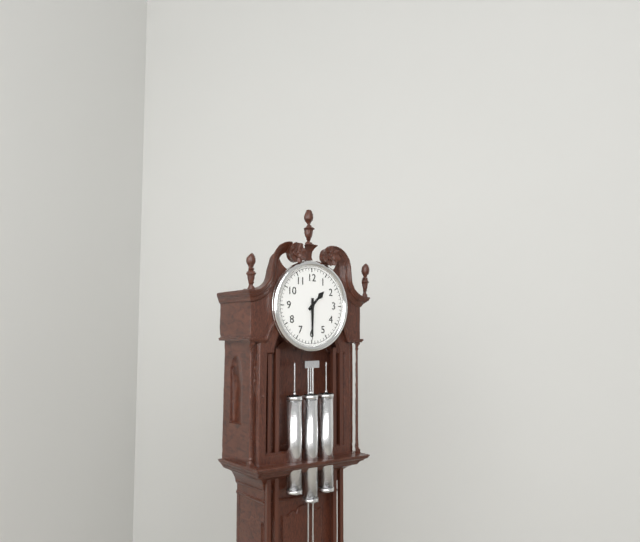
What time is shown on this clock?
1:30
